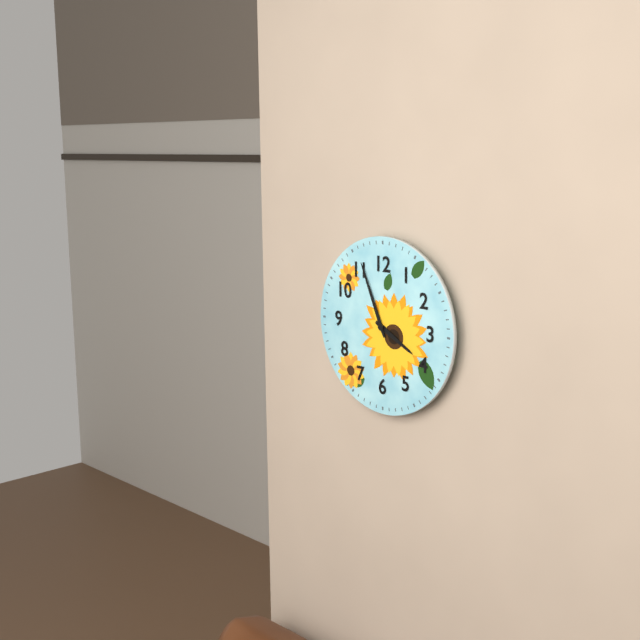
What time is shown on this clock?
3:56
